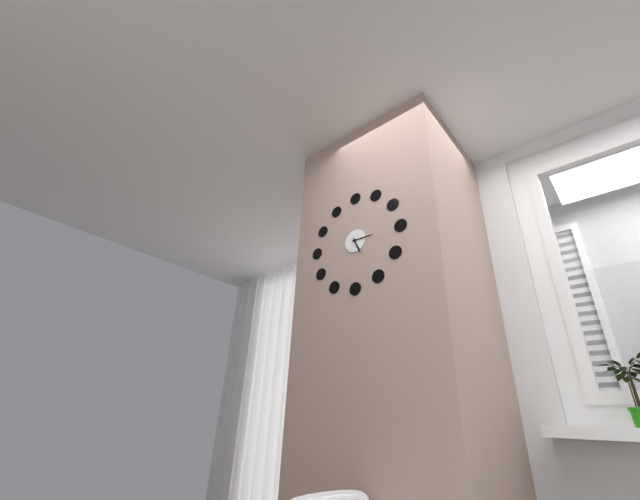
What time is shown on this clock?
5:15
